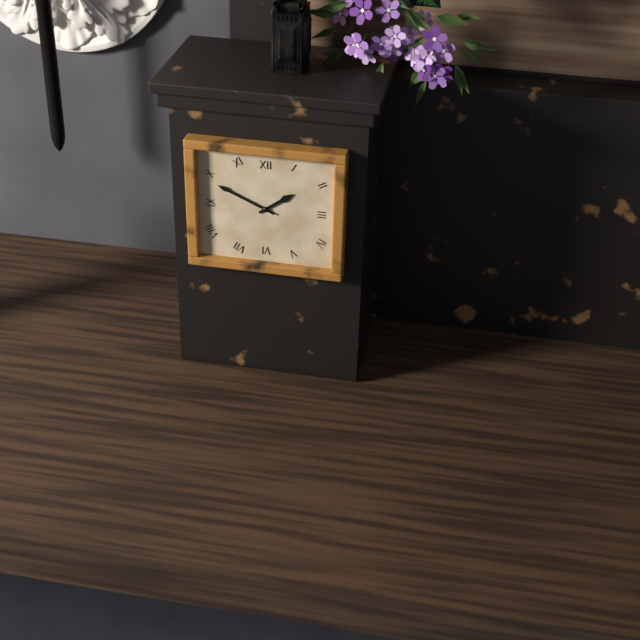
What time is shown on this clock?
1:49
